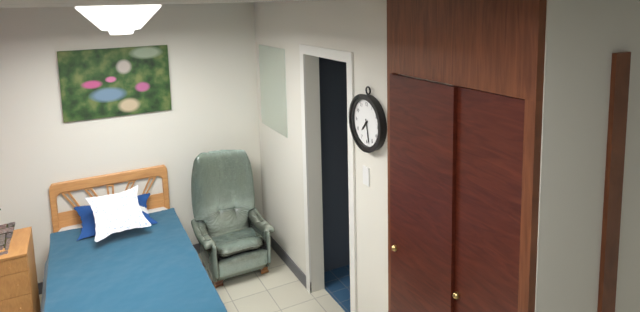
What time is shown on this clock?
7:28
